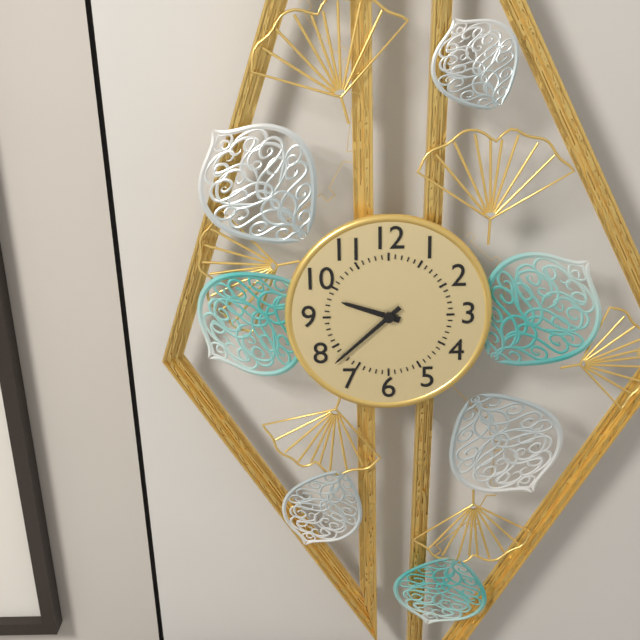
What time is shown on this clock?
9:38
